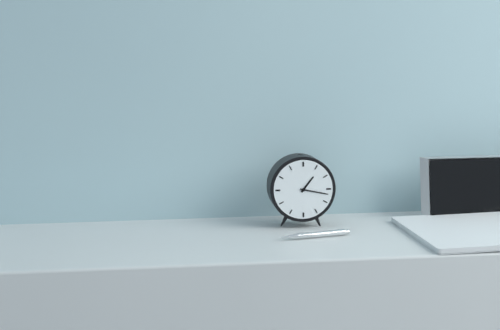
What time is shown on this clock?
1:17
